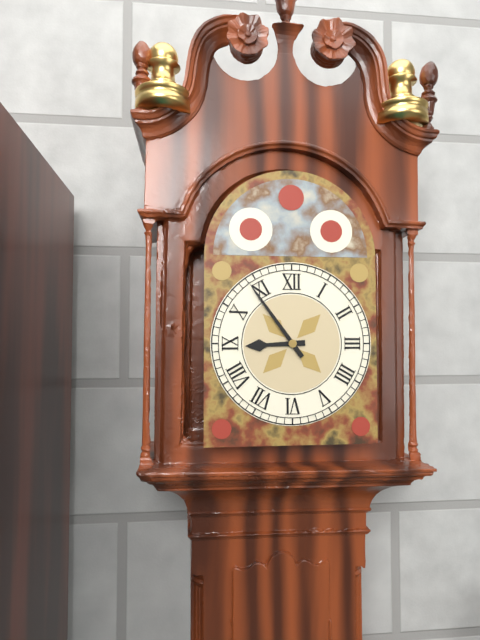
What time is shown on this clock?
8:54
